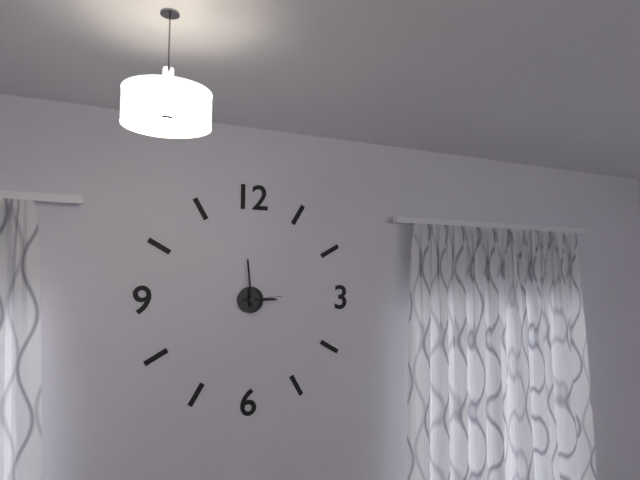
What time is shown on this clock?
2:59
